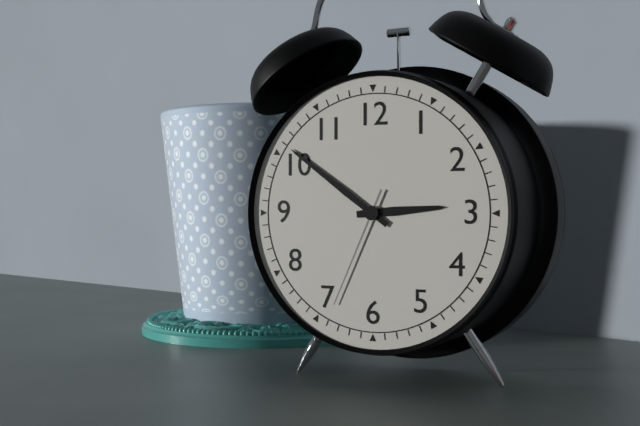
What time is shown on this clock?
2:51:34
